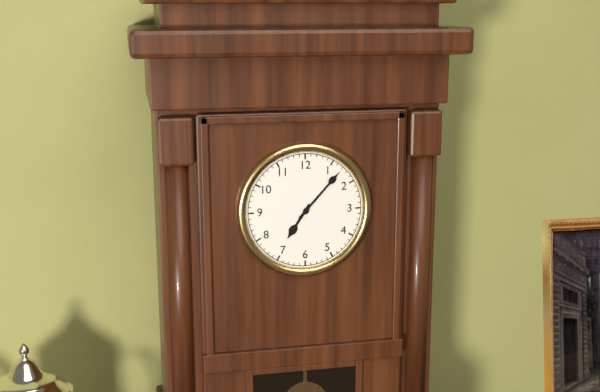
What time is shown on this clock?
7:07
